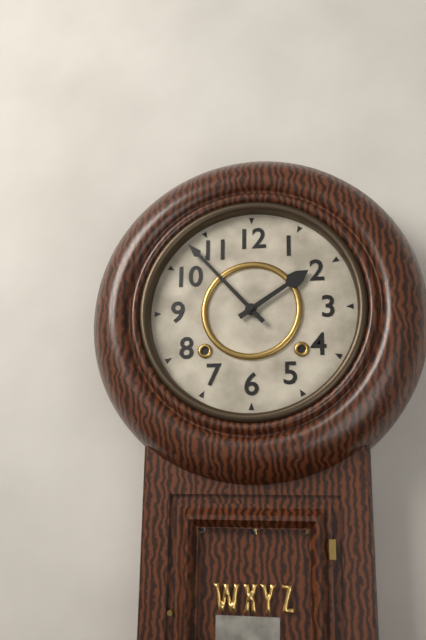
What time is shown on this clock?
1:53
